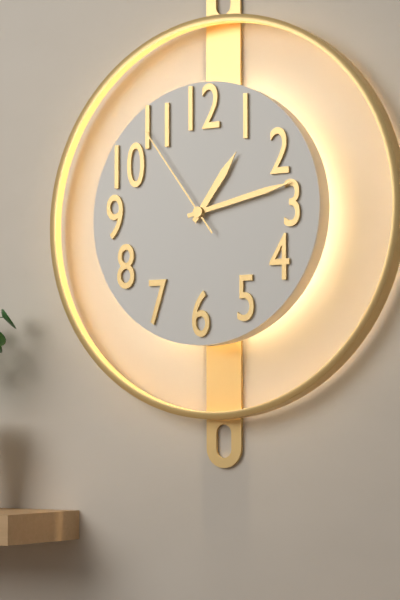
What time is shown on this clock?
1:13:54
